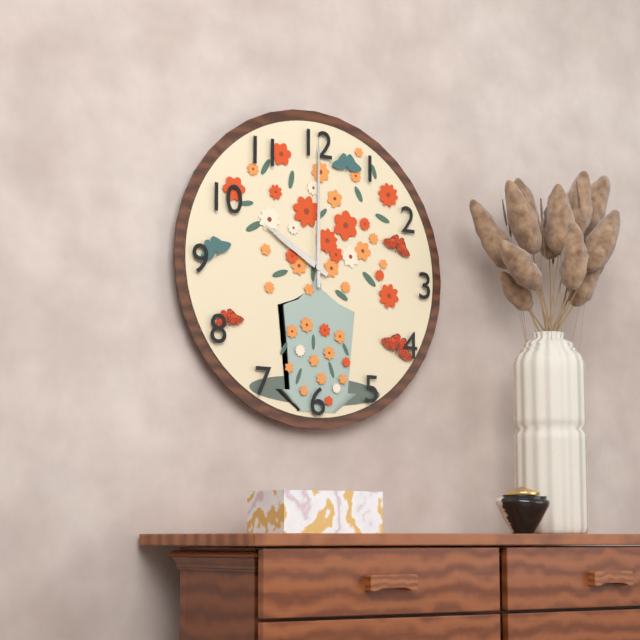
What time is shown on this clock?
10:00
